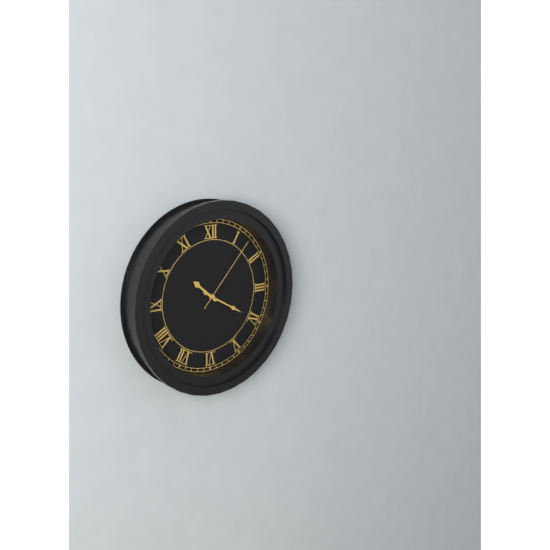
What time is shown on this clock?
10:20:07
